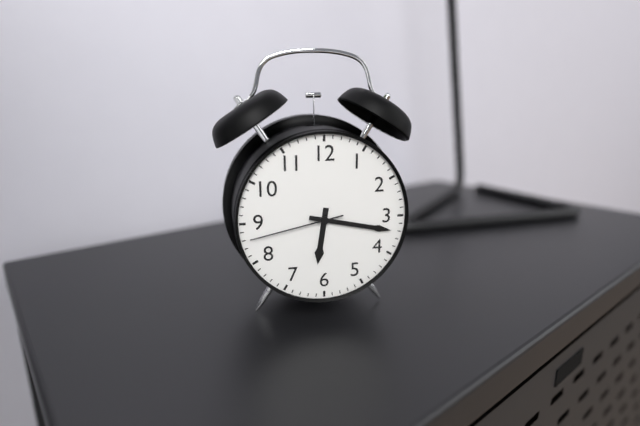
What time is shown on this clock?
6:17:43
